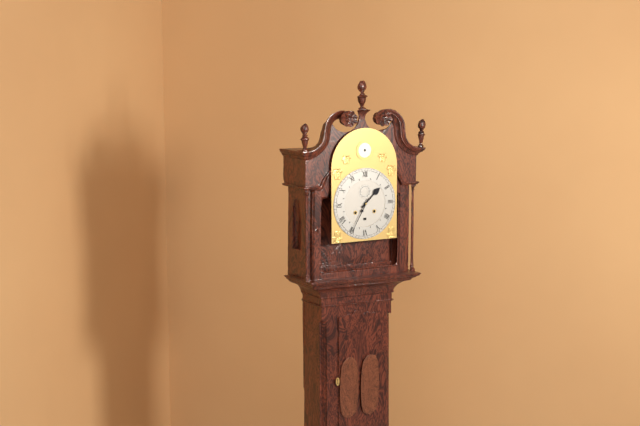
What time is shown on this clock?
1:35
